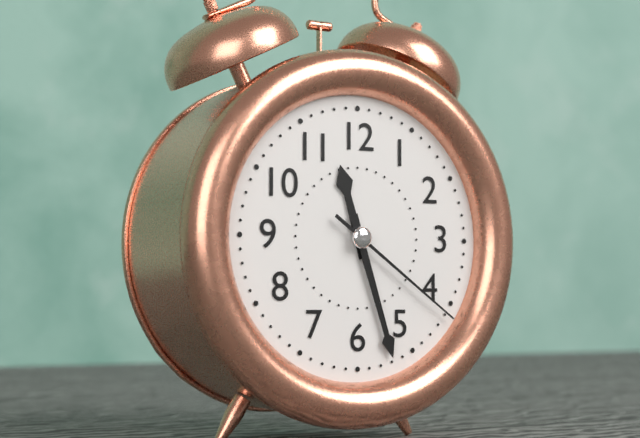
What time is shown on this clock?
11:27:21
